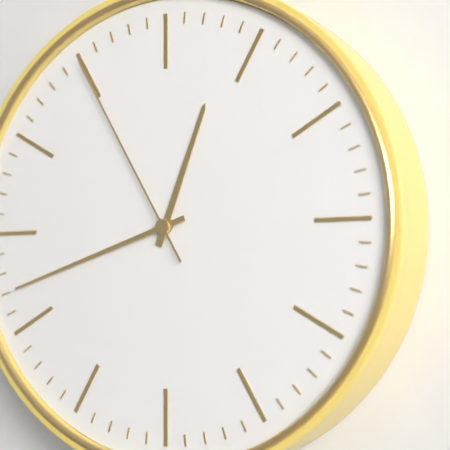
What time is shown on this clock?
12:42:55
